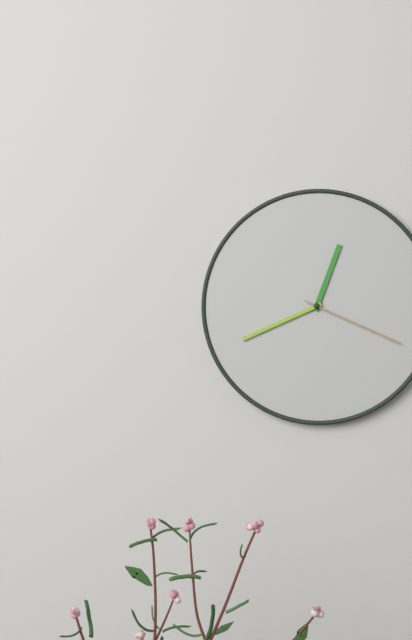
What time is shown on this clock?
12:41:19
